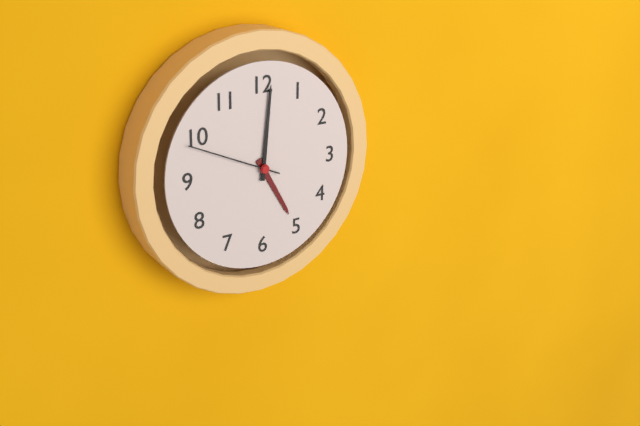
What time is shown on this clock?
5:01:49
